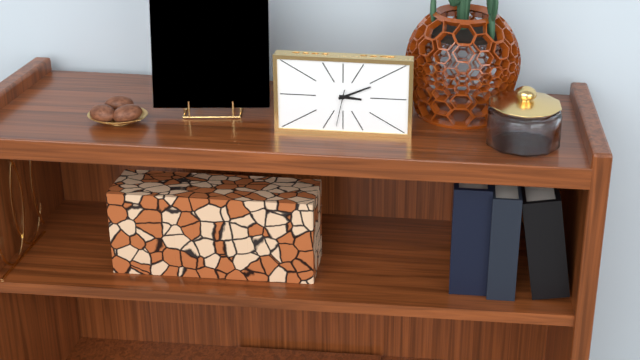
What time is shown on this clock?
3:11
